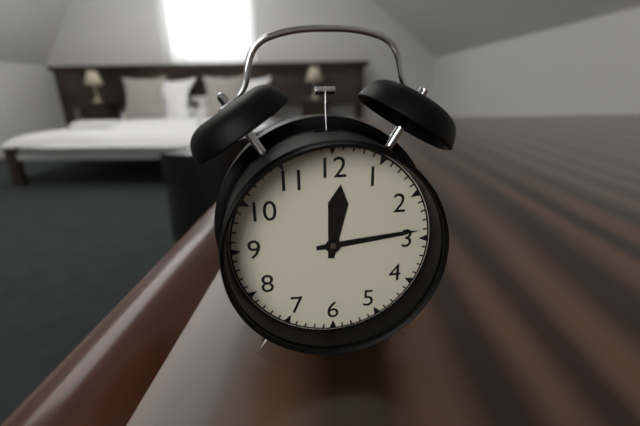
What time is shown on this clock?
12:14
